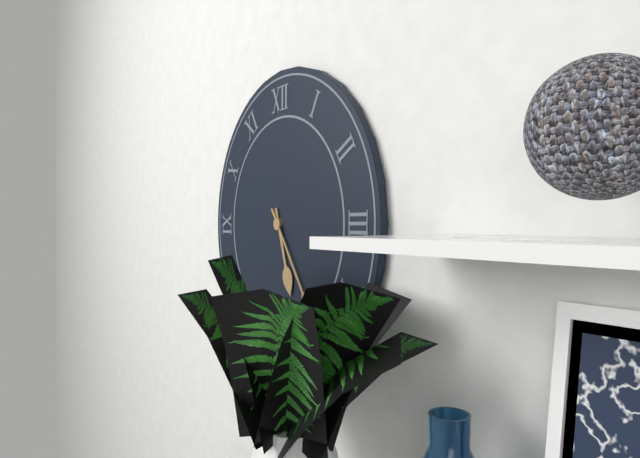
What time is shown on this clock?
5:24
